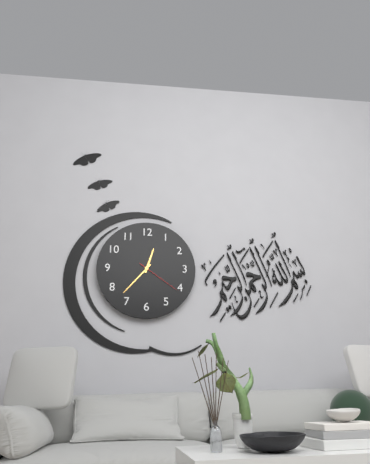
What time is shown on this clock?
12:37
